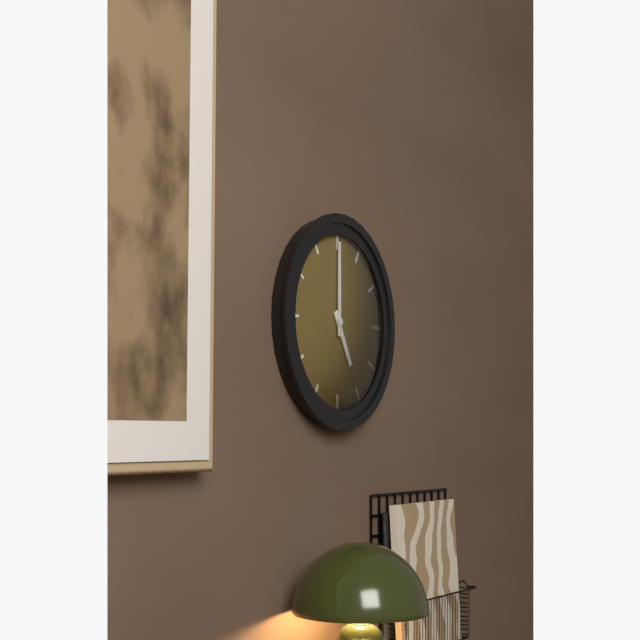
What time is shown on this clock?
5:00
